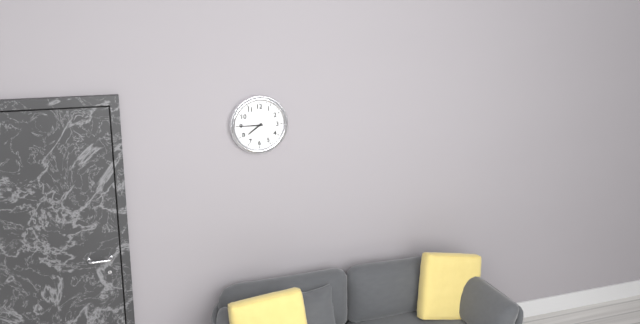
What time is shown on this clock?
7:45
